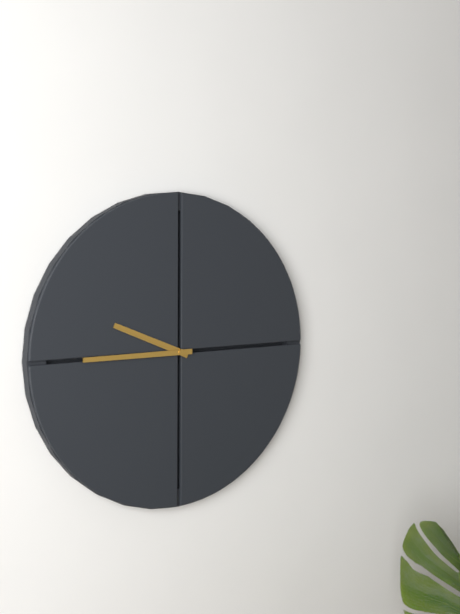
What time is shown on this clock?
9:45
